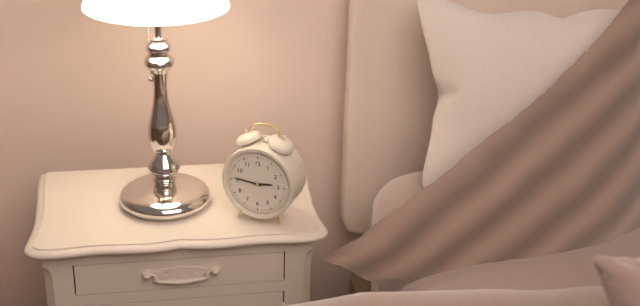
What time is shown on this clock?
2:46
